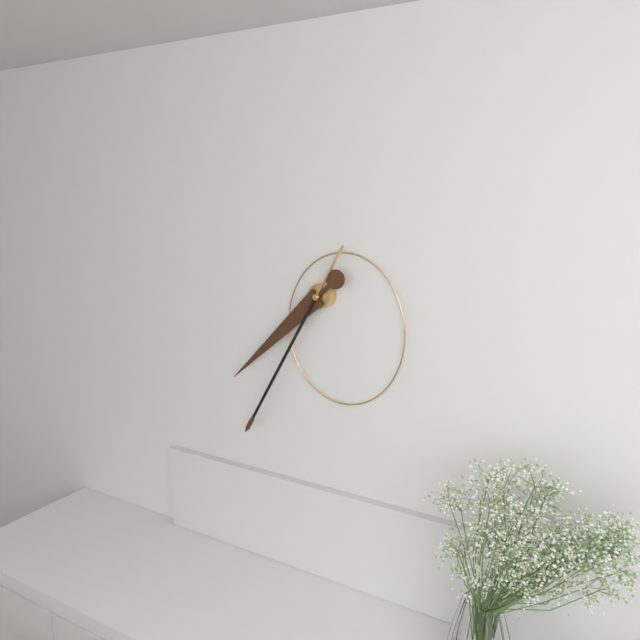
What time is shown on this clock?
7:35
